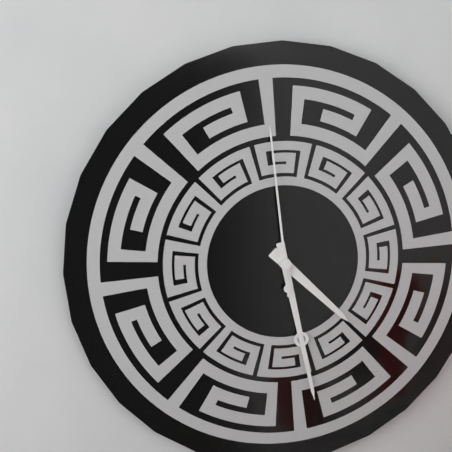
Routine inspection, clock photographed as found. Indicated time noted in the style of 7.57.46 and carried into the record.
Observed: 4.28.59
